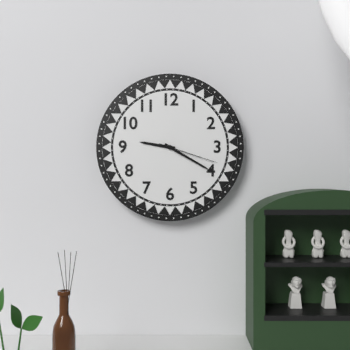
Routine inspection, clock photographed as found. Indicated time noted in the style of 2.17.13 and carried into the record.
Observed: 9.20.18
